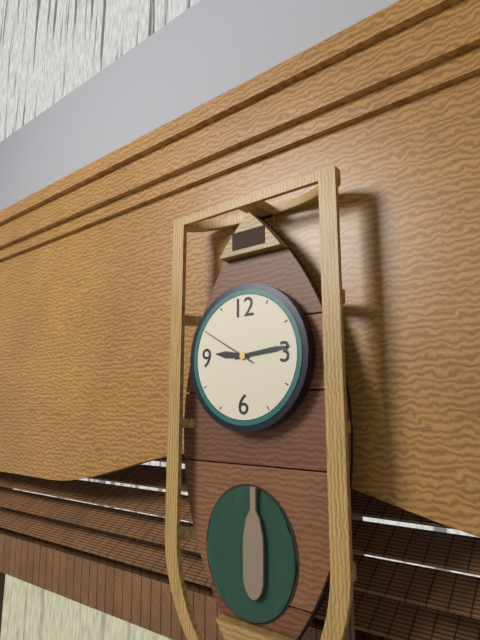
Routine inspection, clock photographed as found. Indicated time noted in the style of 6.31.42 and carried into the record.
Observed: 9.14.50
